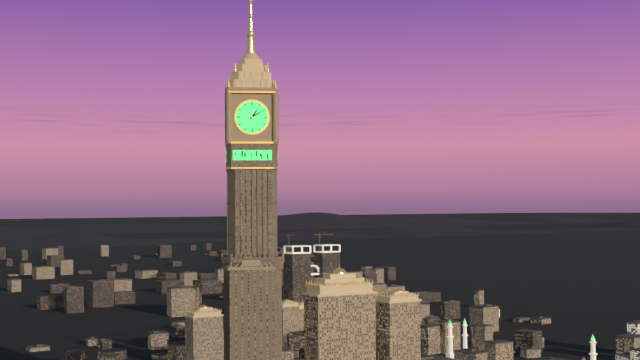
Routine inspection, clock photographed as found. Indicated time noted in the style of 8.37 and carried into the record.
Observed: 1.10
